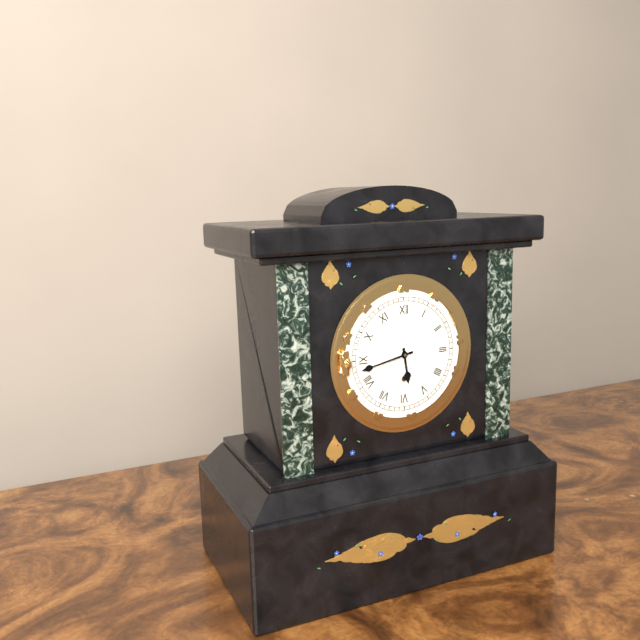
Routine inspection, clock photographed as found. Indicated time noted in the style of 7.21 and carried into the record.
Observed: 5.43
